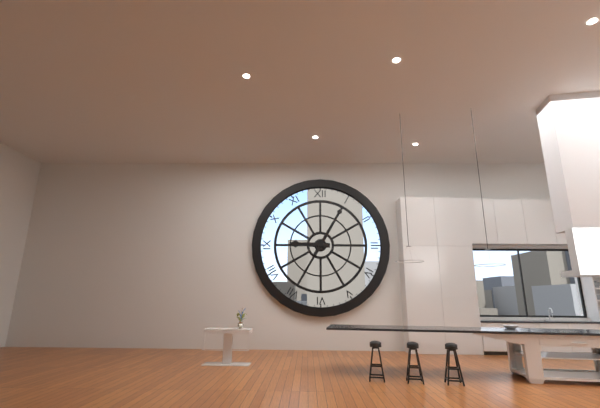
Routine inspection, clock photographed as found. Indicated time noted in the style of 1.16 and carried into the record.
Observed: 9.05
